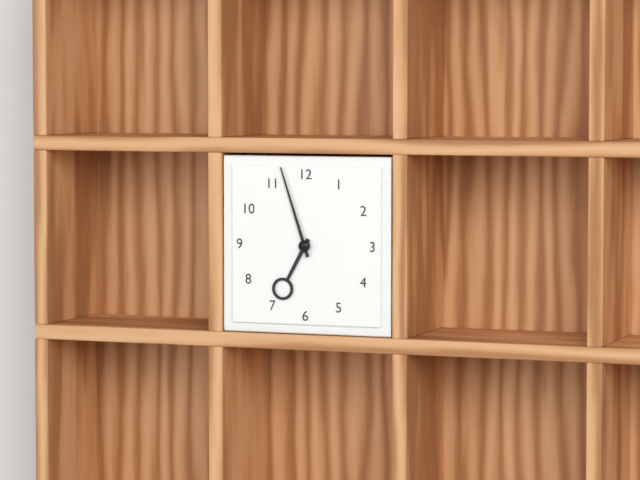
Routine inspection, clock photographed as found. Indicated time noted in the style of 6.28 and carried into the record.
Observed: 6.57
